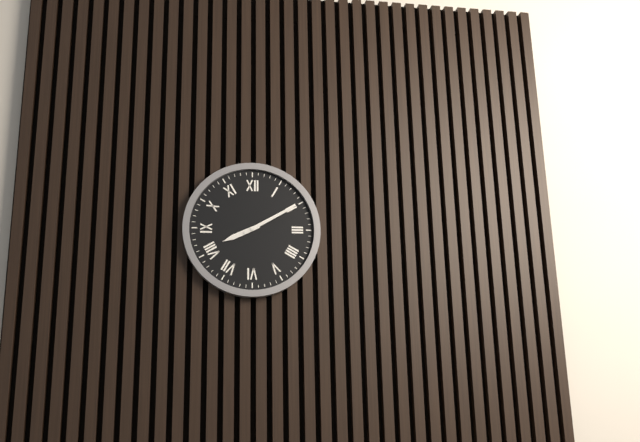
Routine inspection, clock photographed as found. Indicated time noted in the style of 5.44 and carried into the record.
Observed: 8.10
